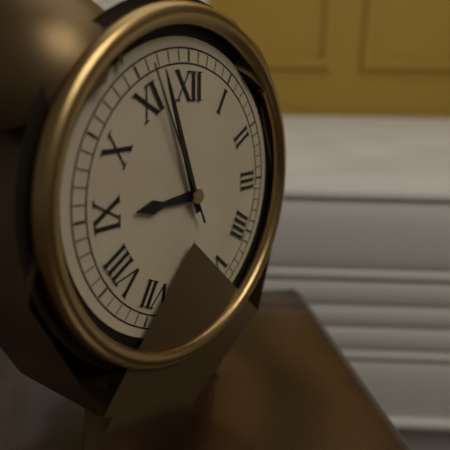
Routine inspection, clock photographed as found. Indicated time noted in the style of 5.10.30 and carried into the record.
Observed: 8.57.56
